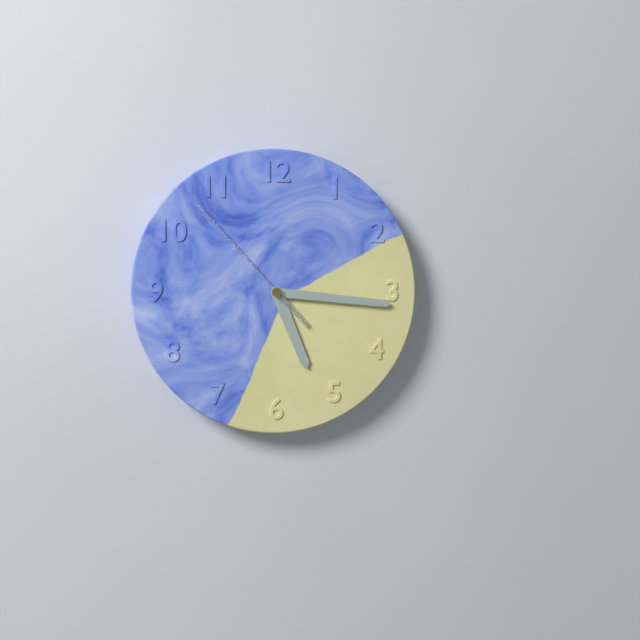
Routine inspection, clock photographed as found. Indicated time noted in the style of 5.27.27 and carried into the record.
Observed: 5.16.53
